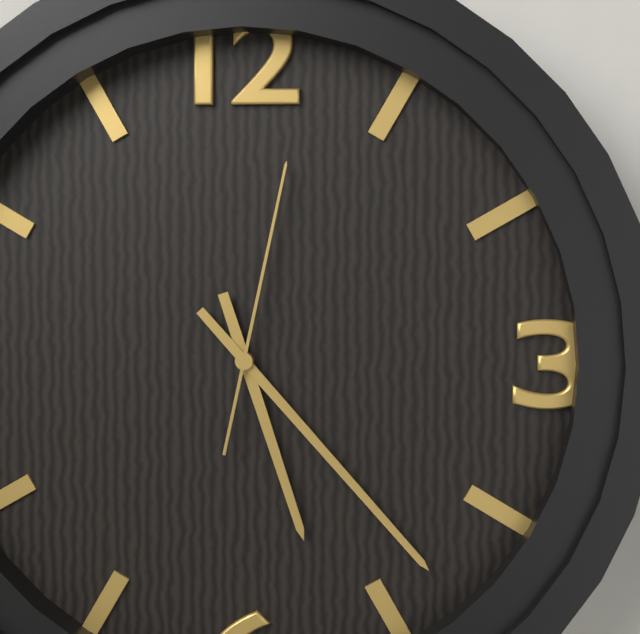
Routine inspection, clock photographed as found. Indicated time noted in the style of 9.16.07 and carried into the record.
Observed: 5.23.02
